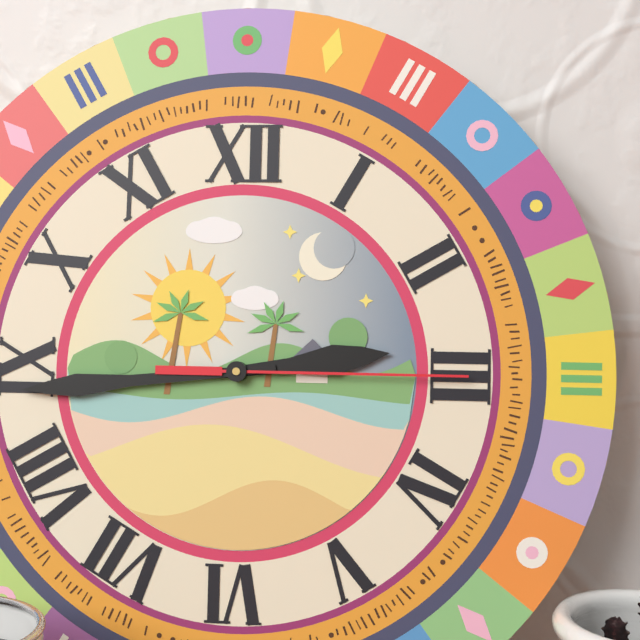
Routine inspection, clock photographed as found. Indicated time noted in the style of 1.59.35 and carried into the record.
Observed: 2.44.15
